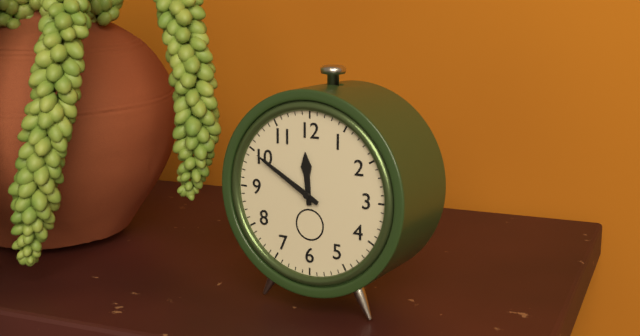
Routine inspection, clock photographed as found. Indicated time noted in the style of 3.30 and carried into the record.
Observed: 11.50
